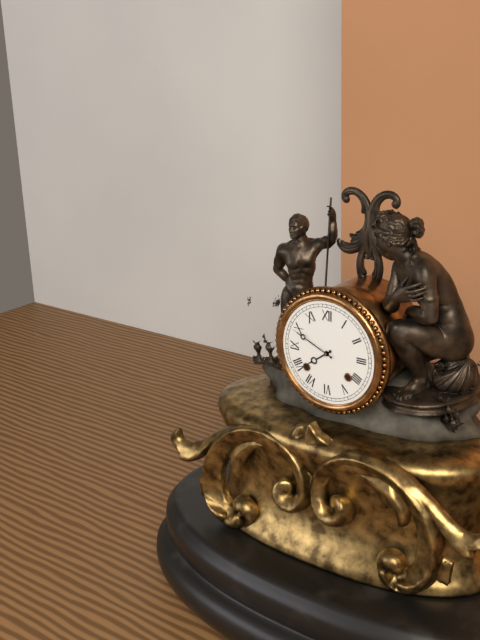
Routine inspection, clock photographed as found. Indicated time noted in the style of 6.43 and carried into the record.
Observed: 7.49
